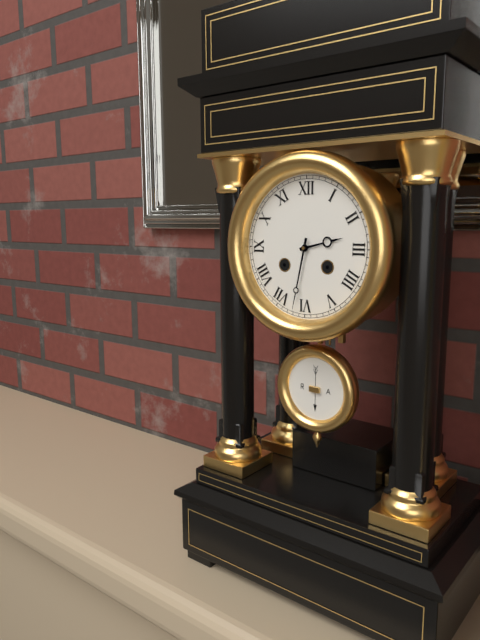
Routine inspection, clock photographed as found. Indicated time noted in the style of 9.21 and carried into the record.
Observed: 2.32
